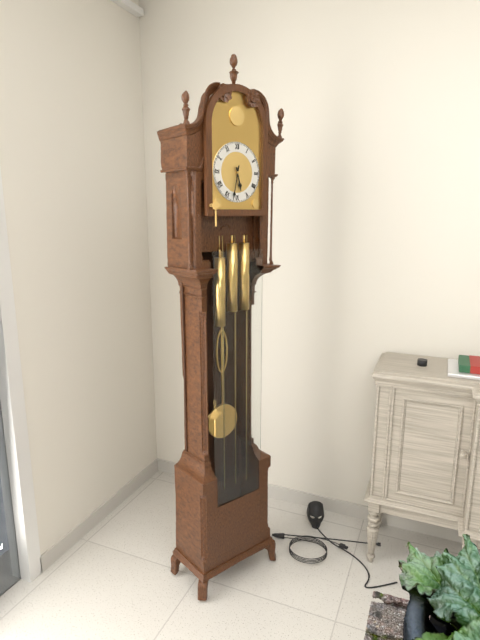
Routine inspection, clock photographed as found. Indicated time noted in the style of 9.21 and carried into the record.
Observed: 5.32
